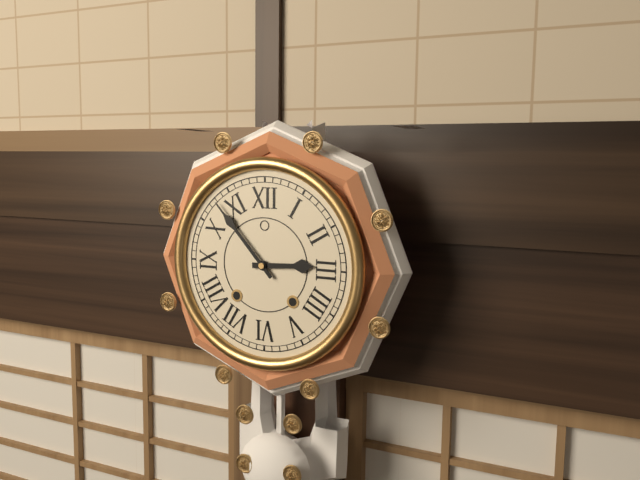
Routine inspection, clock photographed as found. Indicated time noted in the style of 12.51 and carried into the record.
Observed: 2.53
